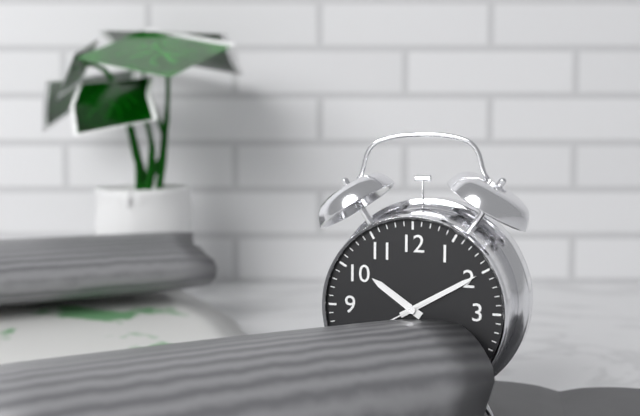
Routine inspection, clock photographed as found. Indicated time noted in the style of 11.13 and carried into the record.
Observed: 10.10
